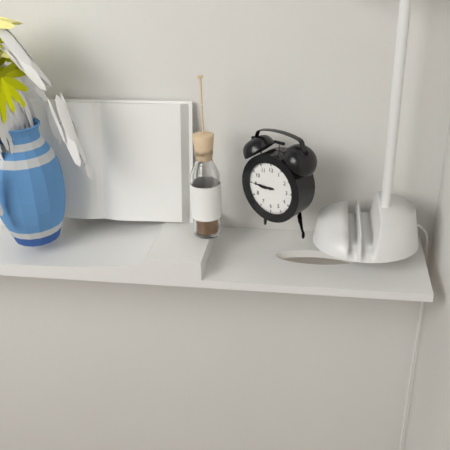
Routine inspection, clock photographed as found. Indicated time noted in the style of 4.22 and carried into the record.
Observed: 8.45
